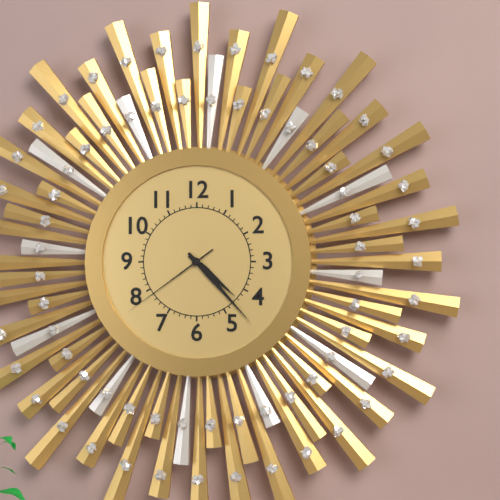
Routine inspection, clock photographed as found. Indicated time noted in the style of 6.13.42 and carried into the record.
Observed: 4.23.39
